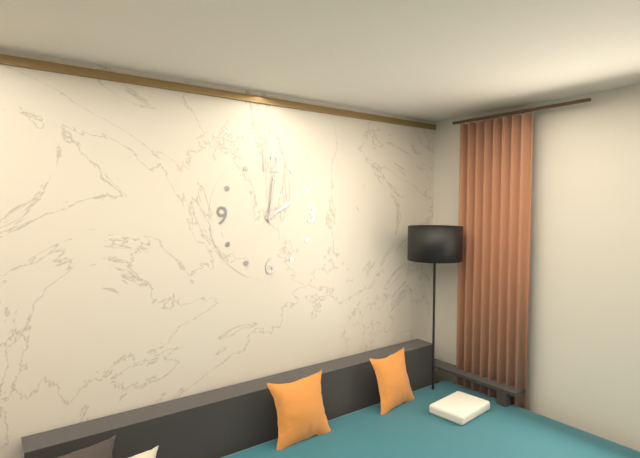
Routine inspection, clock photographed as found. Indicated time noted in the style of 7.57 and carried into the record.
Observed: 2.01
